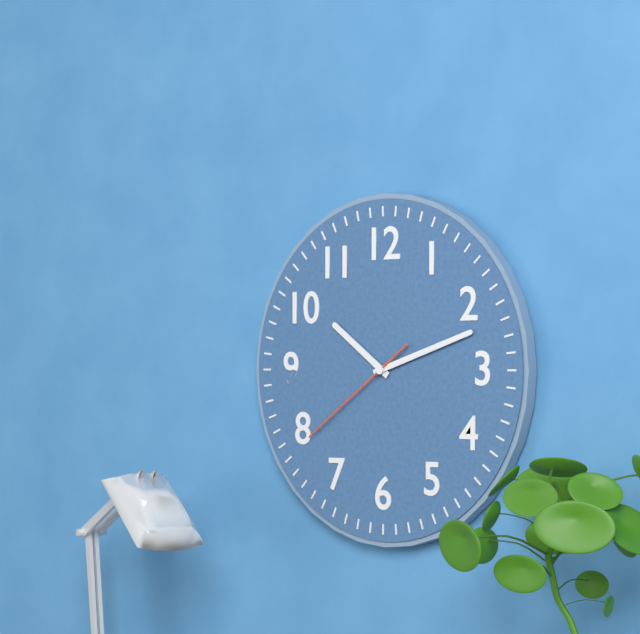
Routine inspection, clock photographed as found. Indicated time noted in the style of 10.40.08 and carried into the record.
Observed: 10.12.39
